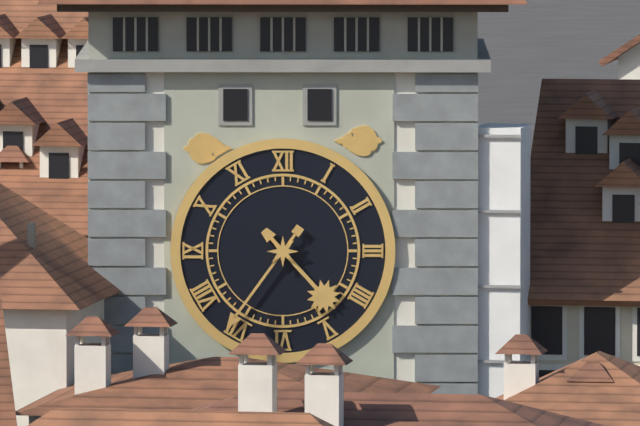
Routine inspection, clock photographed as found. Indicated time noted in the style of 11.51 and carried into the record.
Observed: 4.36
